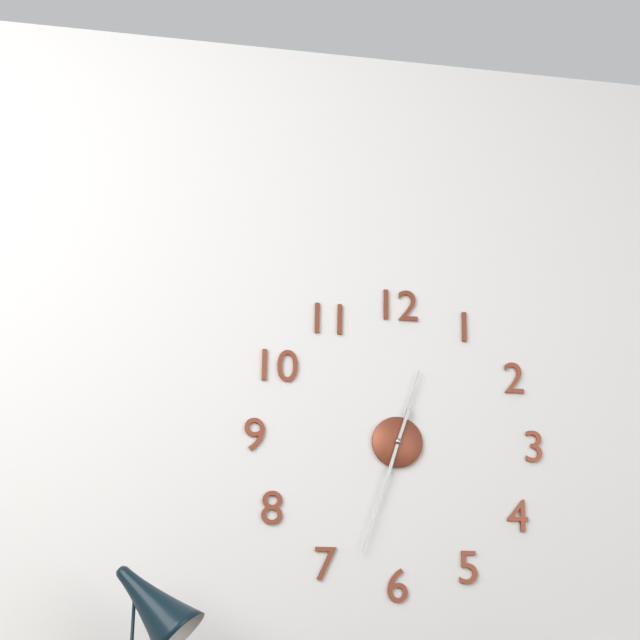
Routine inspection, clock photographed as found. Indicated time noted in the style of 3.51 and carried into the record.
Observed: 12.33
